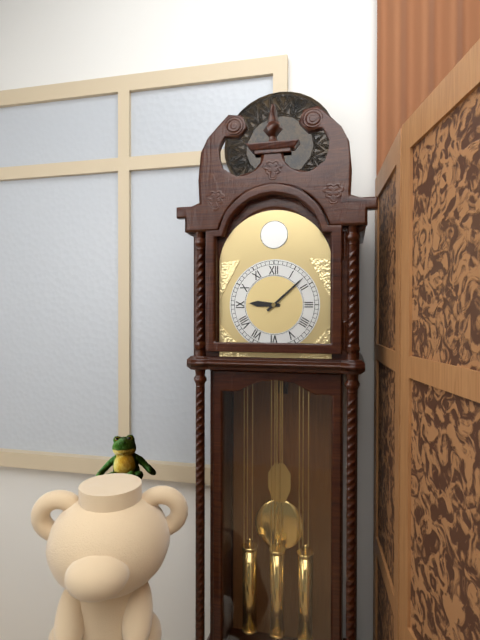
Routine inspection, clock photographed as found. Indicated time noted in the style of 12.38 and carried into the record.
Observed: 9.08
